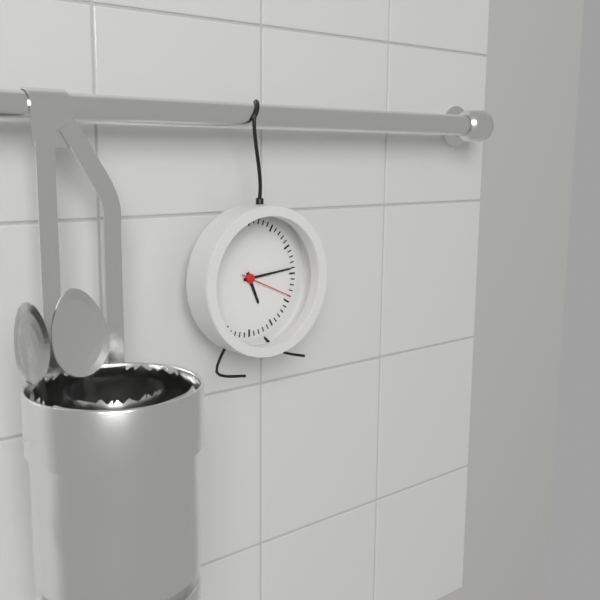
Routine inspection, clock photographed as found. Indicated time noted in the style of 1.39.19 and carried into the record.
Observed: 5.14.19
